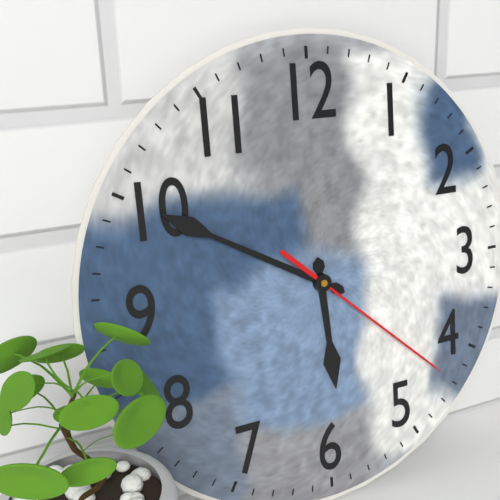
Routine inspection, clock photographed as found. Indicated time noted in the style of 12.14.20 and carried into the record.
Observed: 5.50.22
